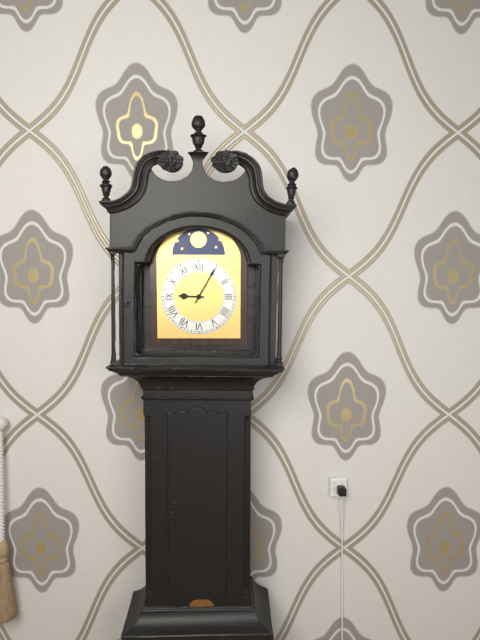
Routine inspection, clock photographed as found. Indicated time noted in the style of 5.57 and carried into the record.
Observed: 9.05
